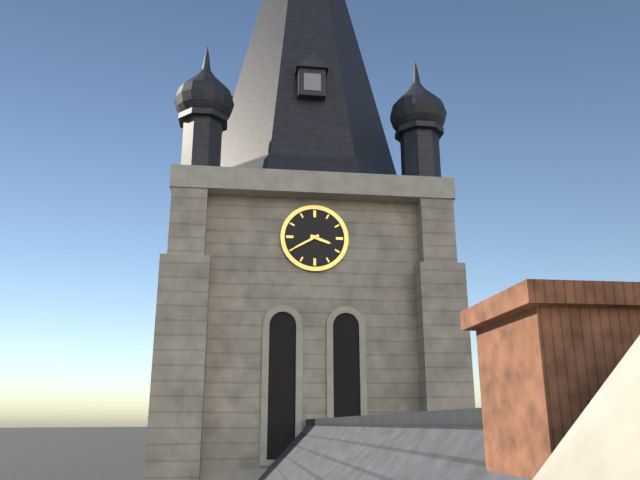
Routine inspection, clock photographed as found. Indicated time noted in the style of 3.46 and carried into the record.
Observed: 3.40
